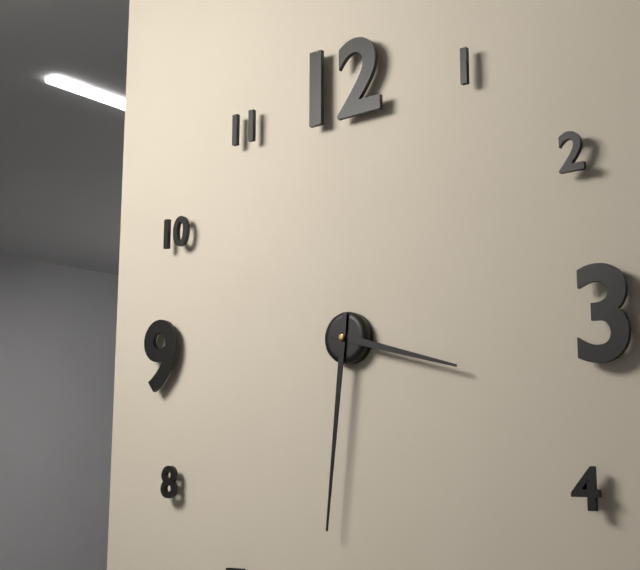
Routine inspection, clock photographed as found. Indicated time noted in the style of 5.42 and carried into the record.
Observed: 3.31
